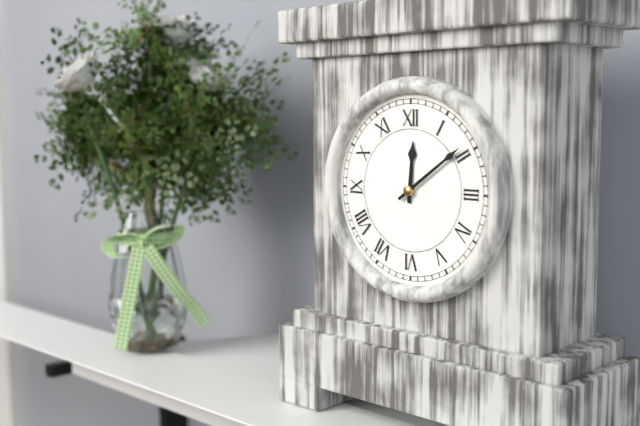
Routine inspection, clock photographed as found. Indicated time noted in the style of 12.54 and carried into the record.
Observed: 12.09
